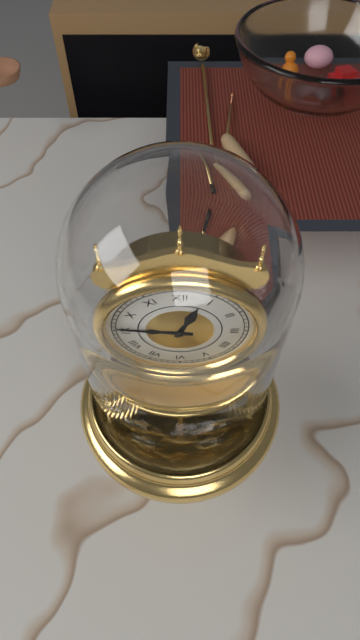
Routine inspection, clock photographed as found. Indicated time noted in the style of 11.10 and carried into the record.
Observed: 12.46
